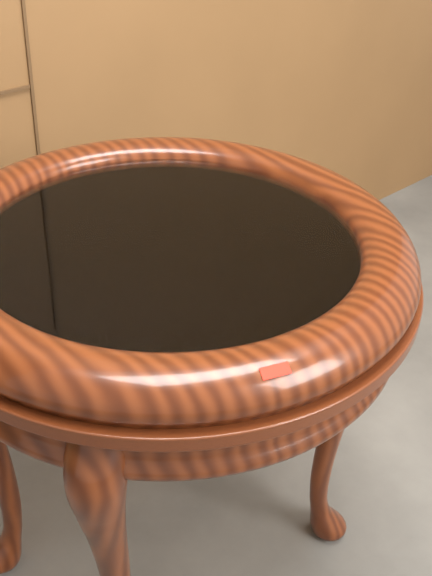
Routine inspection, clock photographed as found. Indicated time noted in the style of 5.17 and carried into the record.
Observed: 10.22
